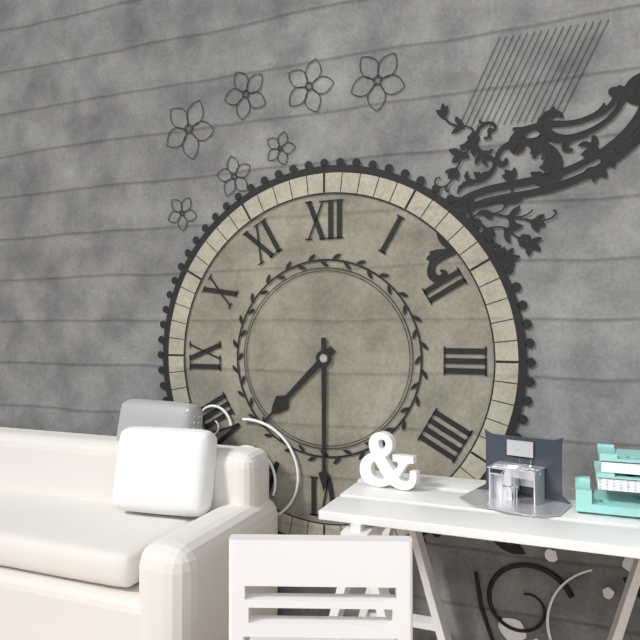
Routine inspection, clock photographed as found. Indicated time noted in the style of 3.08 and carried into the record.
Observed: 7.30
